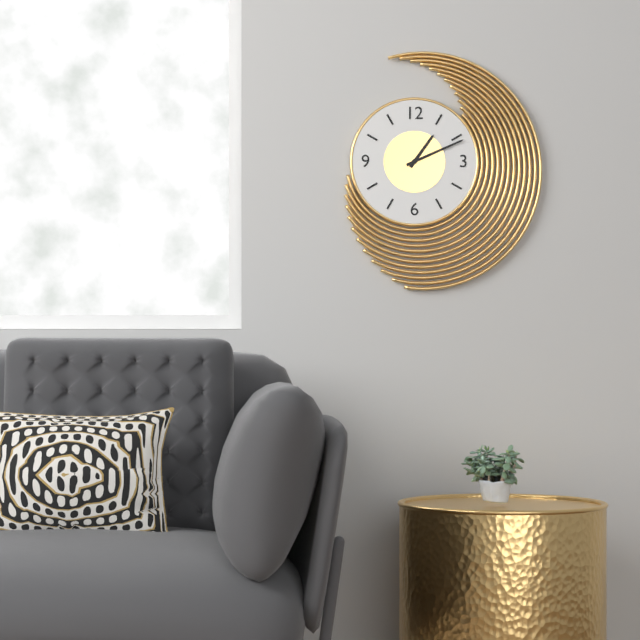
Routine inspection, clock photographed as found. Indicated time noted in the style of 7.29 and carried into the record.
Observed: 1.11
